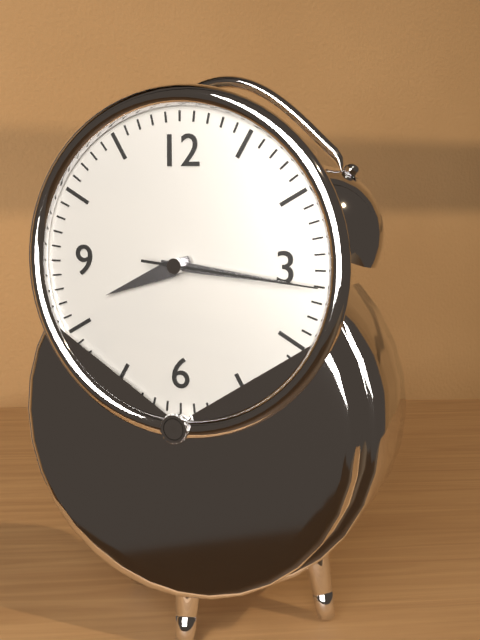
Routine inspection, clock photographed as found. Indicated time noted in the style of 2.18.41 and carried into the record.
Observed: 8.16.16
